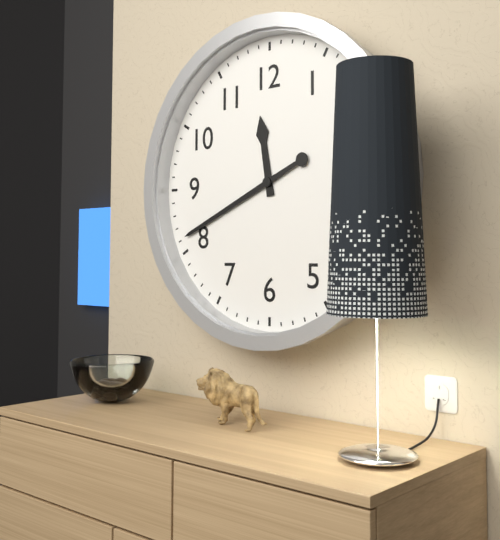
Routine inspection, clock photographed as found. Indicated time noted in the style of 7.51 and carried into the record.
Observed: 11.41
